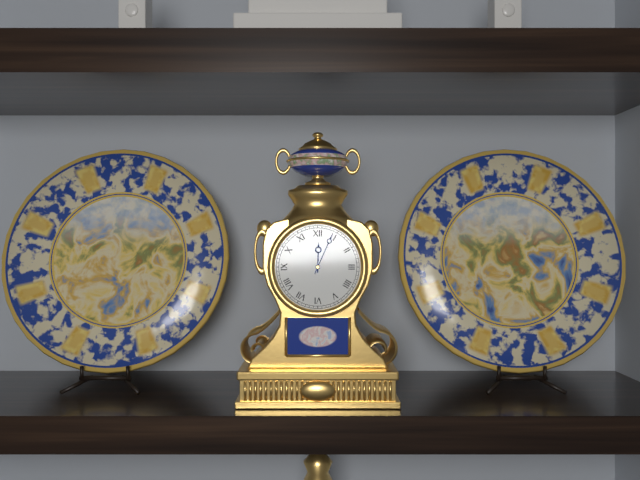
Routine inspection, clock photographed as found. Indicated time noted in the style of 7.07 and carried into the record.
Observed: 12.04
